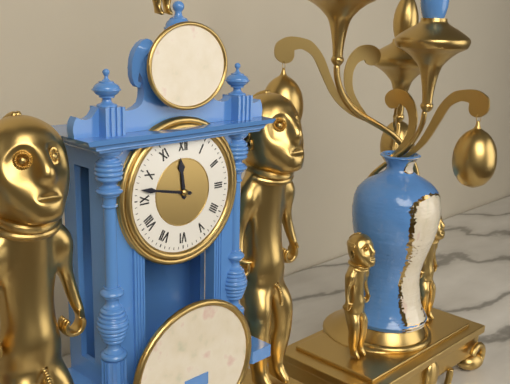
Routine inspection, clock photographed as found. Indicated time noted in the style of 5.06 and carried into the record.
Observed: 11.47
